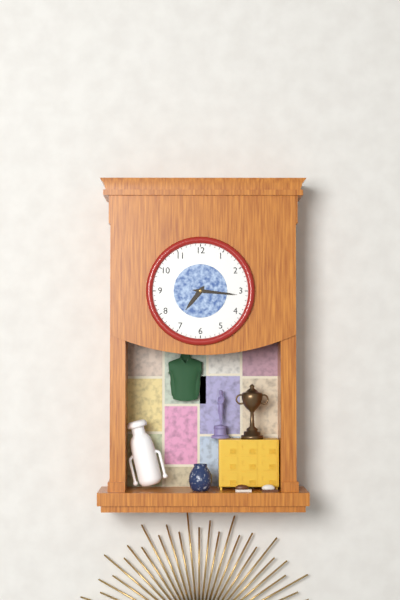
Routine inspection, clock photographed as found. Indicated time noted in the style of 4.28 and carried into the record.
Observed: 7.16
